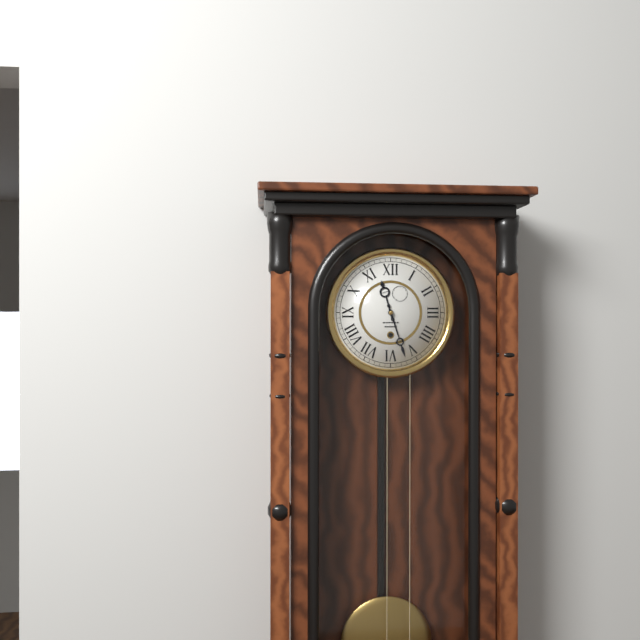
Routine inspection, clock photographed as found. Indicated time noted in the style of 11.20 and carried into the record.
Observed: 11.27
